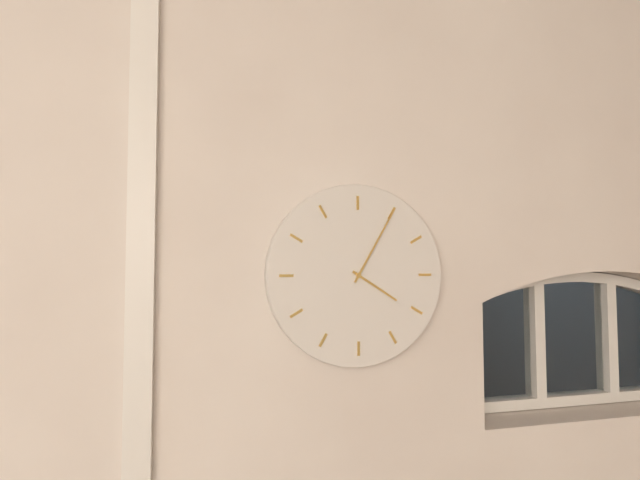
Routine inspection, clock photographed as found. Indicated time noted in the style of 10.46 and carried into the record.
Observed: 4.05
